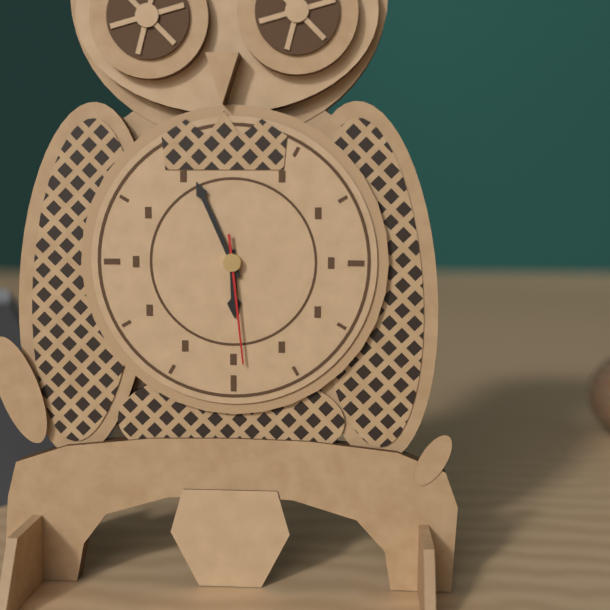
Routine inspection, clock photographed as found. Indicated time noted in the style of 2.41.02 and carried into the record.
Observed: 5.56.29
